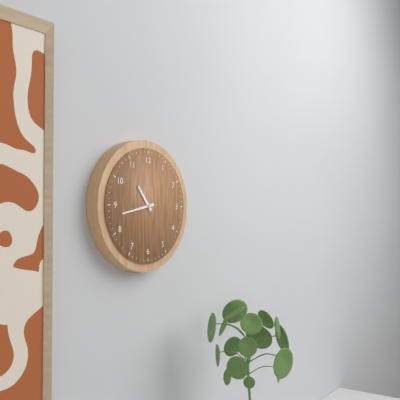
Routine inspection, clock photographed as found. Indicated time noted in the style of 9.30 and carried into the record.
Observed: 10.43
